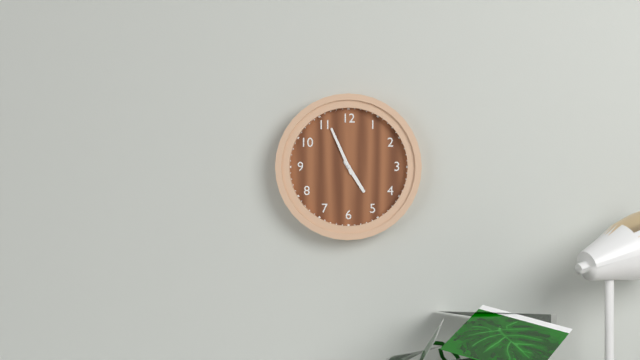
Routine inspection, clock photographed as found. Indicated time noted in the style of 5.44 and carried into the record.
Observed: 4.56
